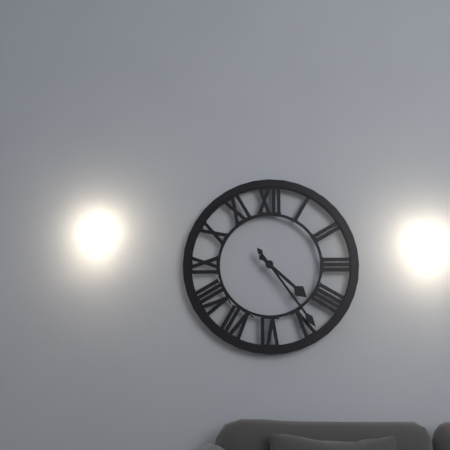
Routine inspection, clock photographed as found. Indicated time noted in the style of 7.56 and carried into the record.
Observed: 4.24
